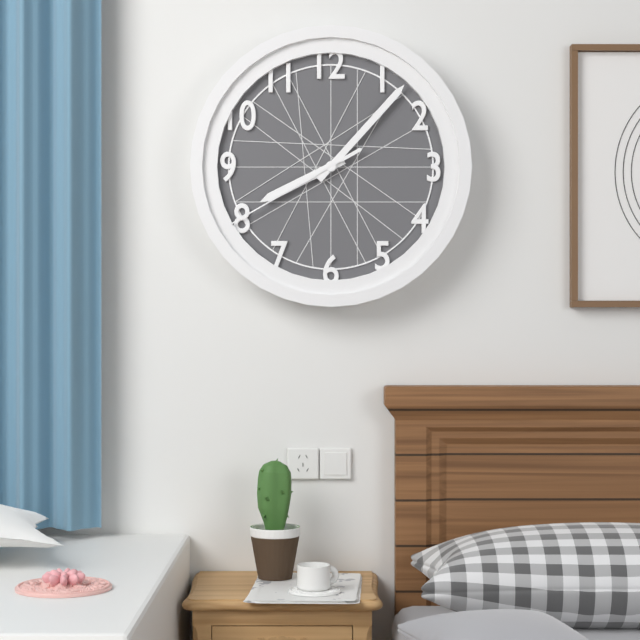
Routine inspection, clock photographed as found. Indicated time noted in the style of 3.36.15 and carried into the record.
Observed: 8.07.40
